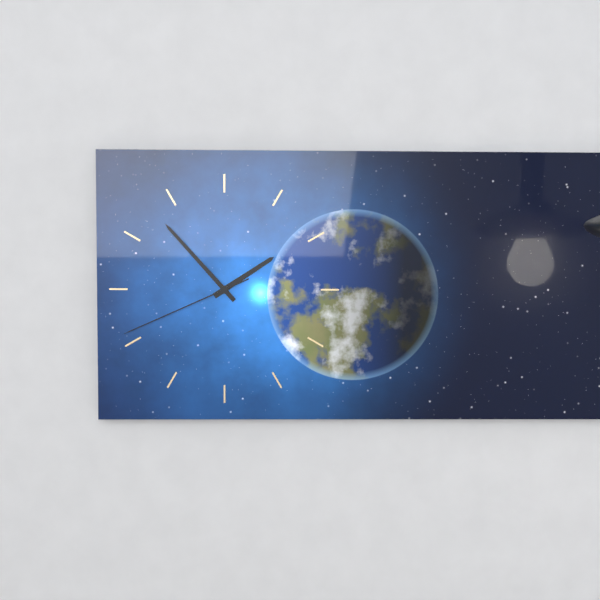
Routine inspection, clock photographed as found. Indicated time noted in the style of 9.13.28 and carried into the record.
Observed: 1.53.41
